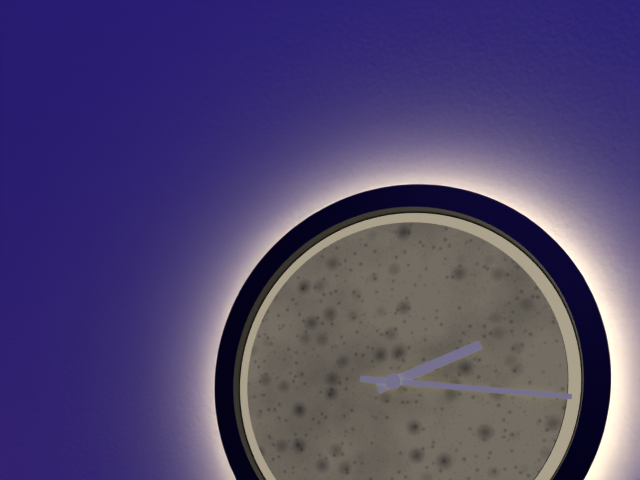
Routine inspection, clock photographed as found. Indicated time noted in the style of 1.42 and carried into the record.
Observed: 2.16
